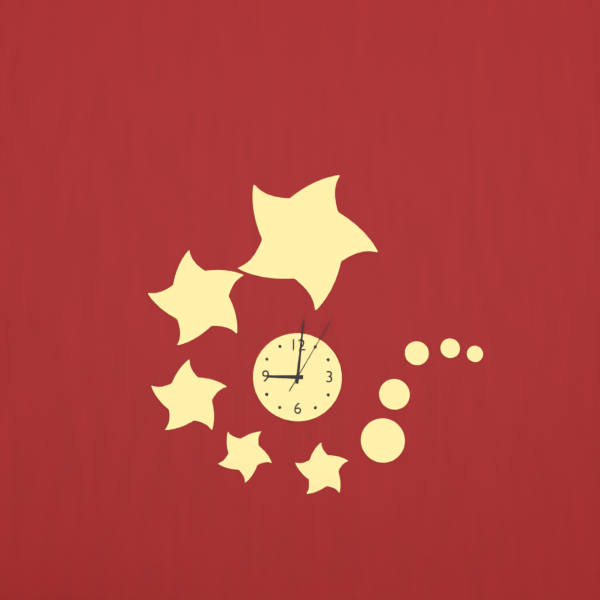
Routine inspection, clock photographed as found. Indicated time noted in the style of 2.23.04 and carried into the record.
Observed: 9.01.05
